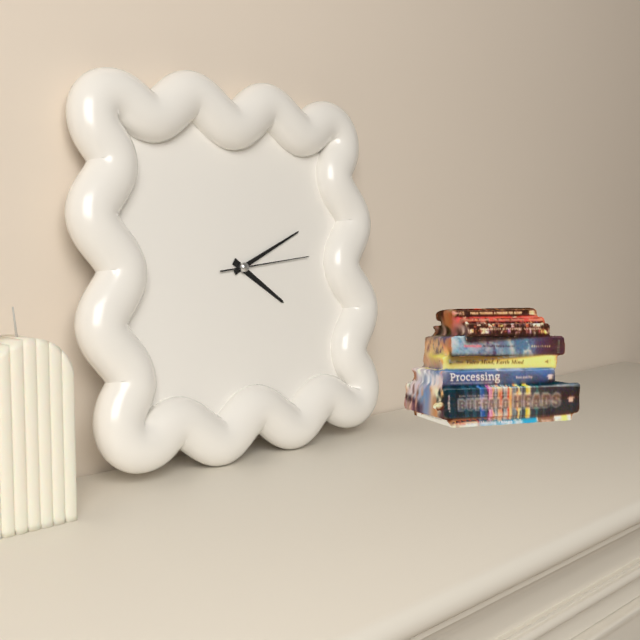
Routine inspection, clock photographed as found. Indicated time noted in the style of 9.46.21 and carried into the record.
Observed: 4.11.14
